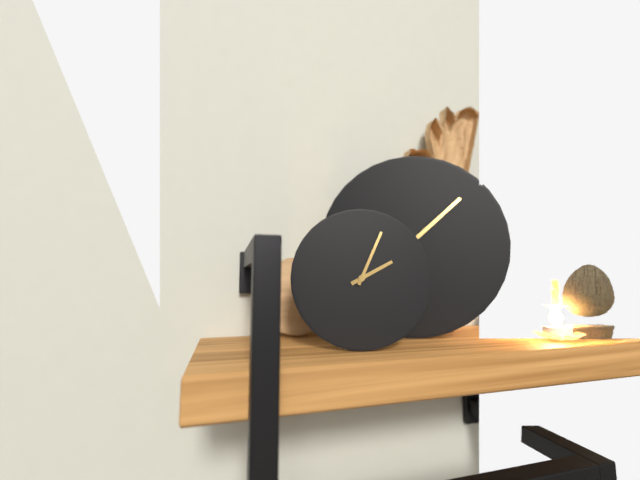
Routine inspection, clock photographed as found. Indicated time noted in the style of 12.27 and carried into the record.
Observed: 2.04
